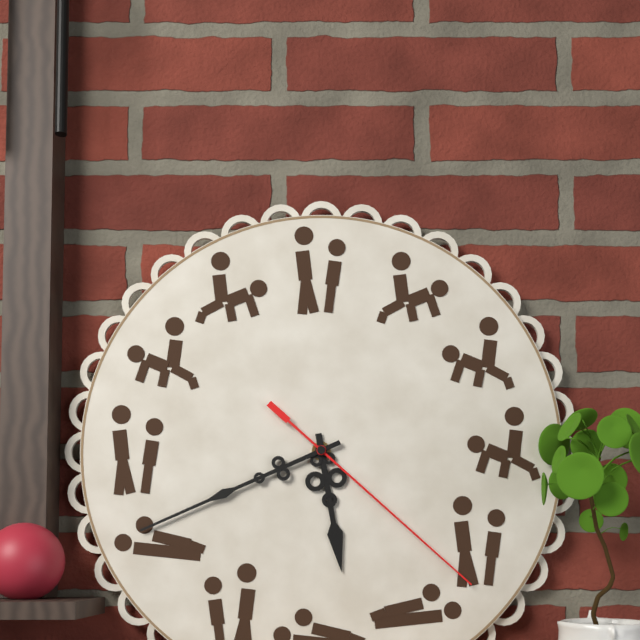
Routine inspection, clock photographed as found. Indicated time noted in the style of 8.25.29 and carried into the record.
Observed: 5.41.22
